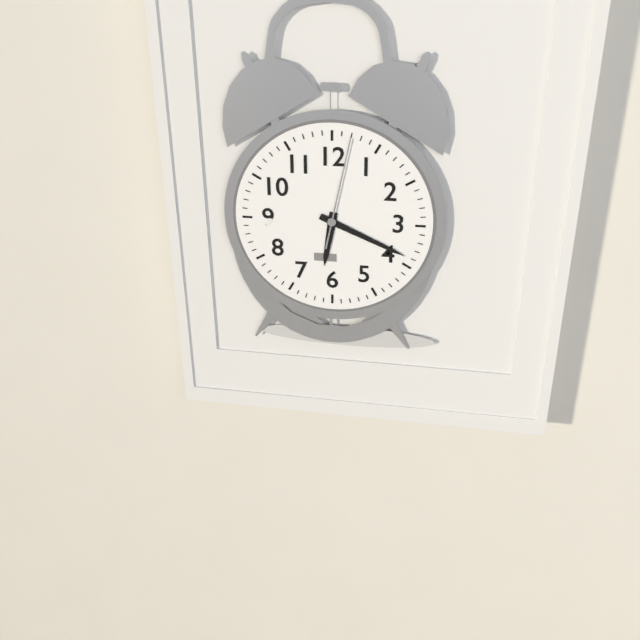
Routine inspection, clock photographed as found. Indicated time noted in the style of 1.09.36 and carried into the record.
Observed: 6.19.02
